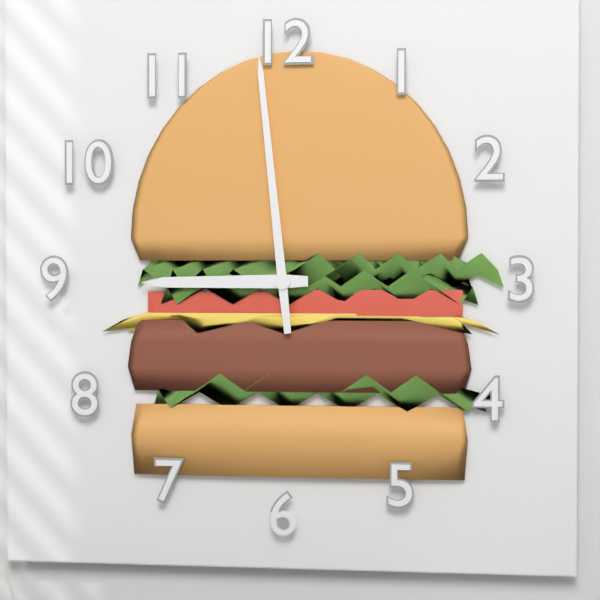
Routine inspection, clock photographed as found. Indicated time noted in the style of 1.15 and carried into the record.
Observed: 8.59
